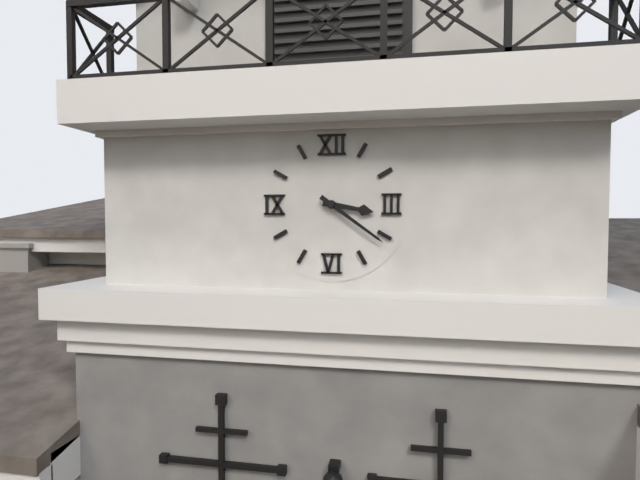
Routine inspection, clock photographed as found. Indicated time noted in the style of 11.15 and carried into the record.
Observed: 3.21
